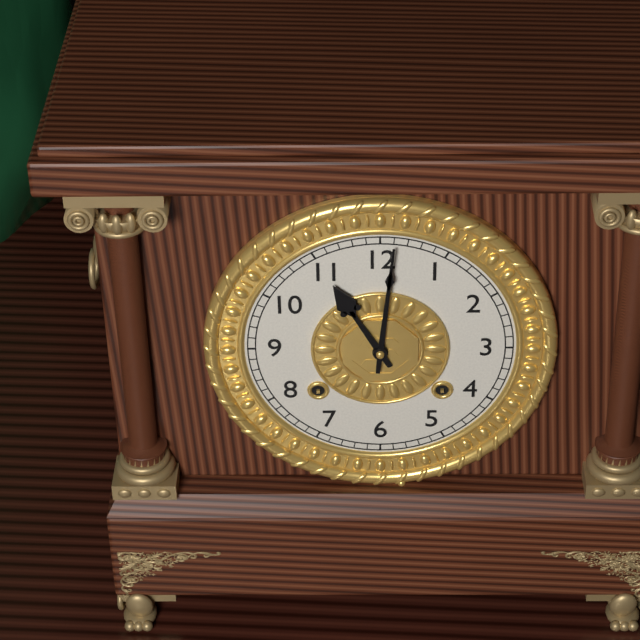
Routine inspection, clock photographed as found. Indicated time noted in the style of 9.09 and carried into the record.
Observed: 11.01
